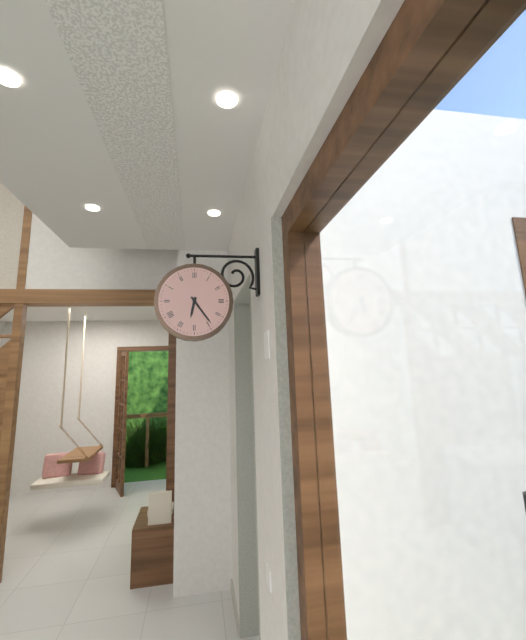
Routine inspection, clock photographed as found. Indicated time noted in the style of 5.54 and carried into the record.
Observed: 6.24
